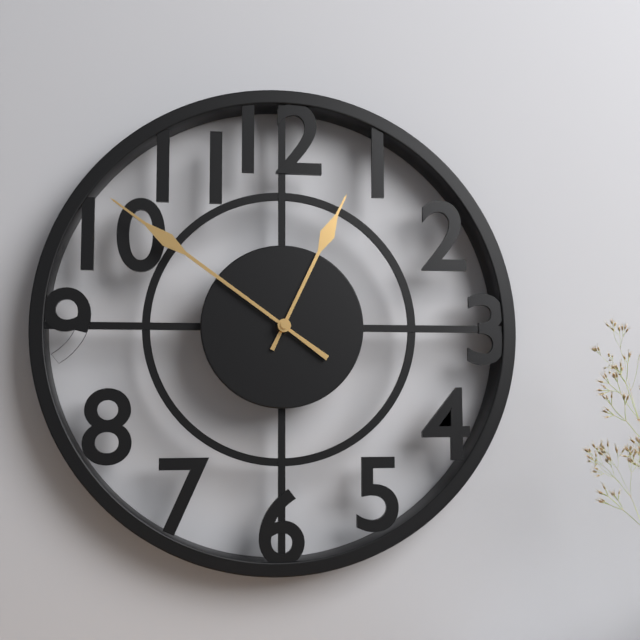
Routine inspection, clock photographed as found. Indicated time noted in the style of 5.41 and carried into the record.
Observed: 12.51
